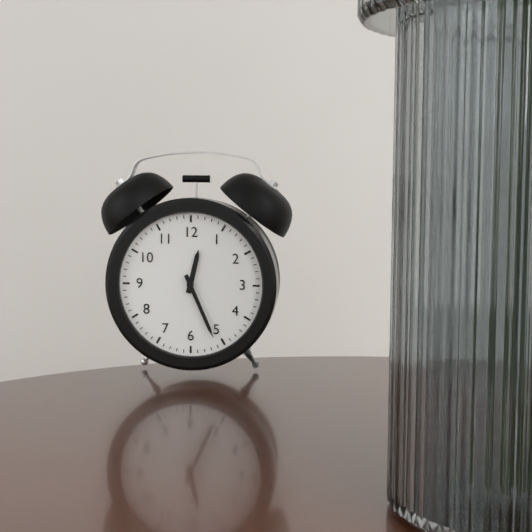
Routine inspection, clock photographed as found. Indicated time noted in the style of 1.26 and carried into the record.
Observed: 12.26
